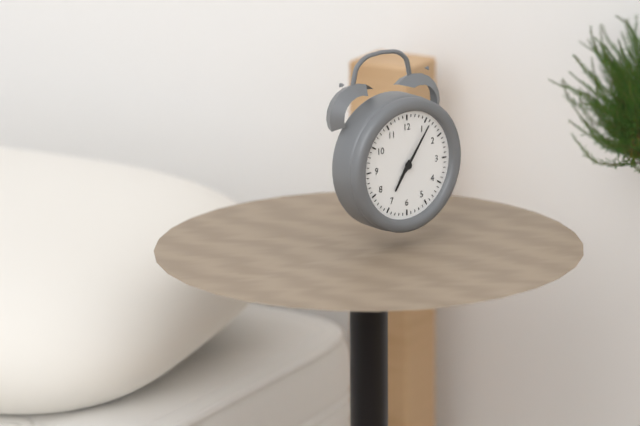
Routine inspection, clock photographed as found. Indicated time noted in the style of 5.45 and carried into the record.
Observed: 7.06
